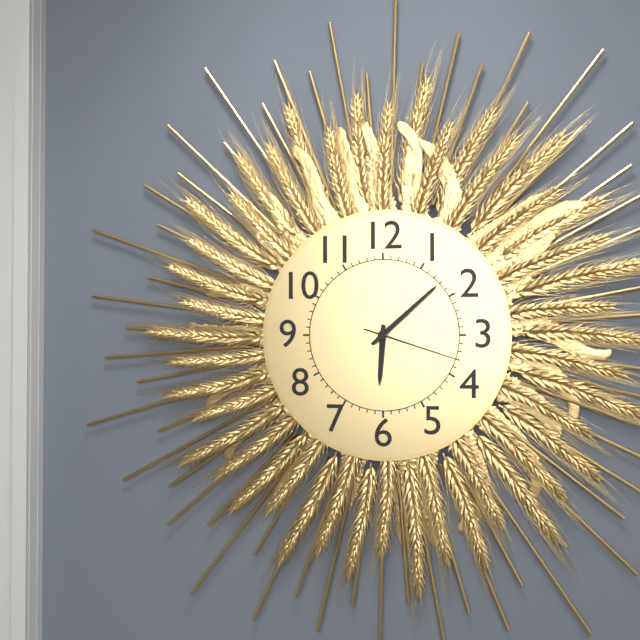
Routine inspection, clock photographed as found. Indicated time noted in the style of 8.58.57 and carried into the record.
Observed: 6.08.18
